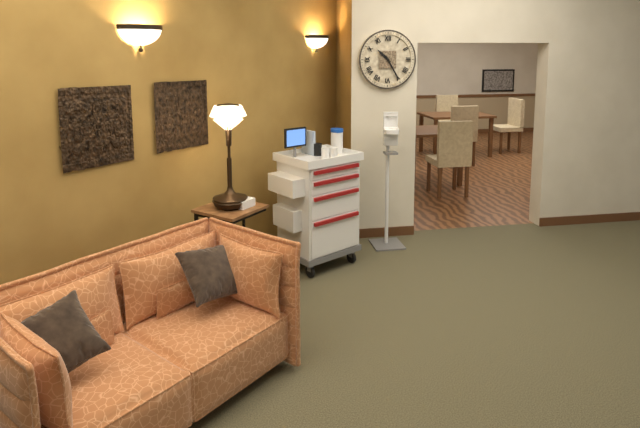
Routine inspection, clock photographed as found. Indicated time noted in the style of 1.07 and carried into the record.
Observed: 10.25
